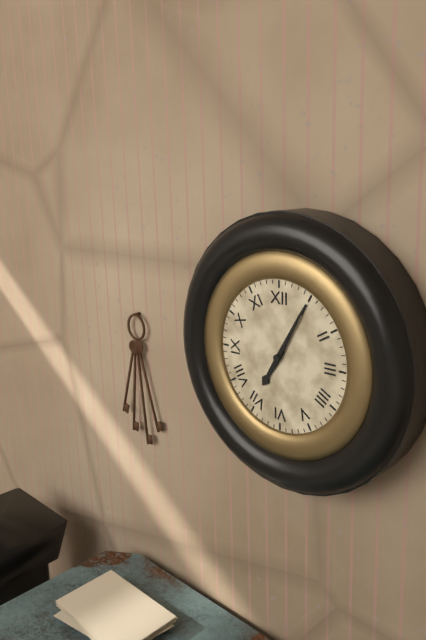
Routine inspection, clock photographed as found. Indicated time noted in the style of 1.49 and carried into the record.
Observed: 7.05
